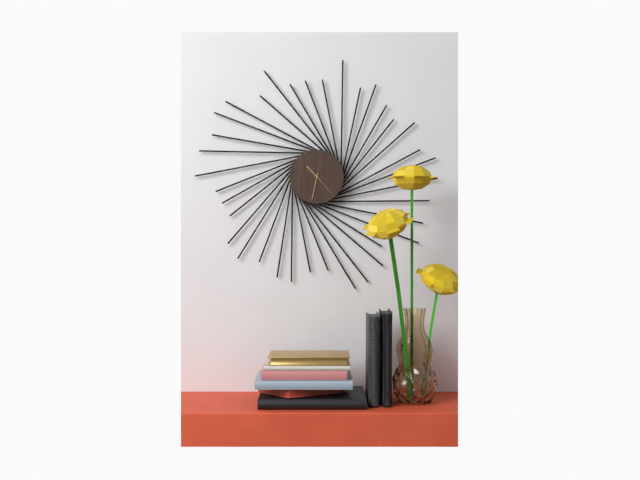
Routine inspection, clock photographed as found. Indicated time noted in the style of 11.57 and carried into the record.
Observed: 10.32
